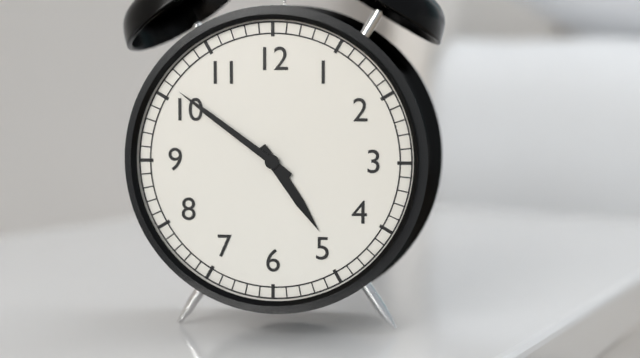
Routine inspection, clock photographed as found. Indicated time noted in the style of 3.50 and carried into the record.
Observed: 4.51
